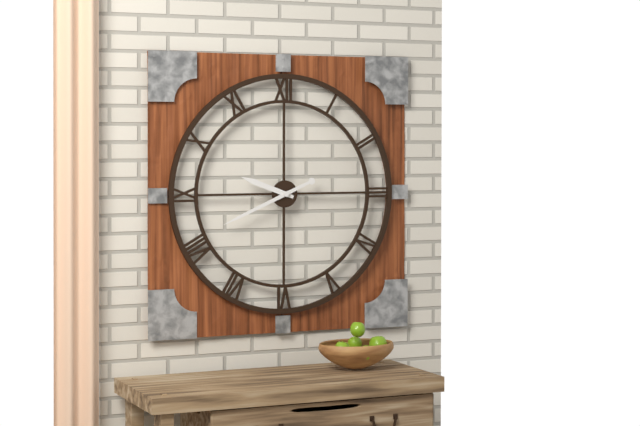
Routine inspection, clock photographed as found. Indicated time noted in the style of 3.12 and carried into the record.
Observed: 9.41
